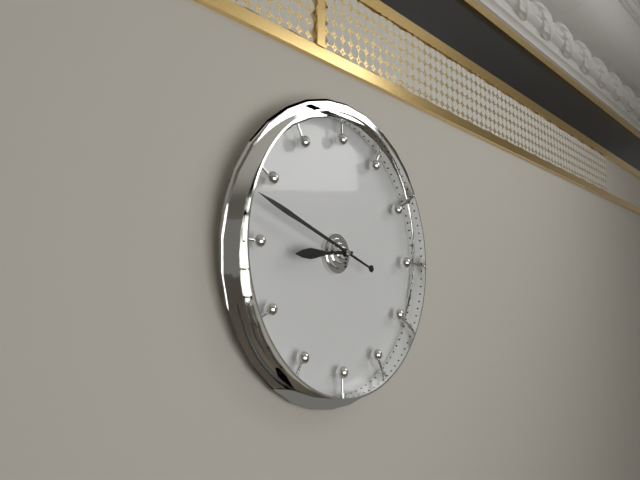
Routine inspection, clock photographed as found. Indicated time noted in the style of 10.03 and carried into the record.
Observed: 8.48
